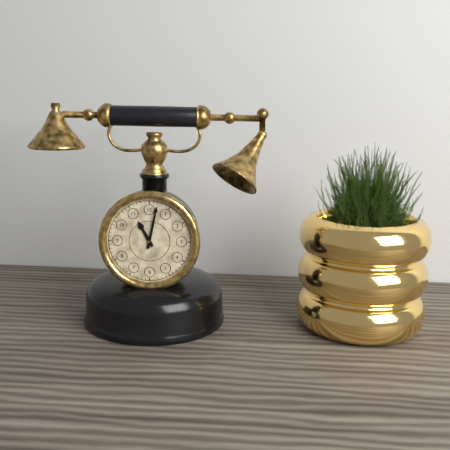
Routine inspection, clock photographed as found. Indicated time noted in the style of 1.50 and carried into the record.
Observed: 11.02
